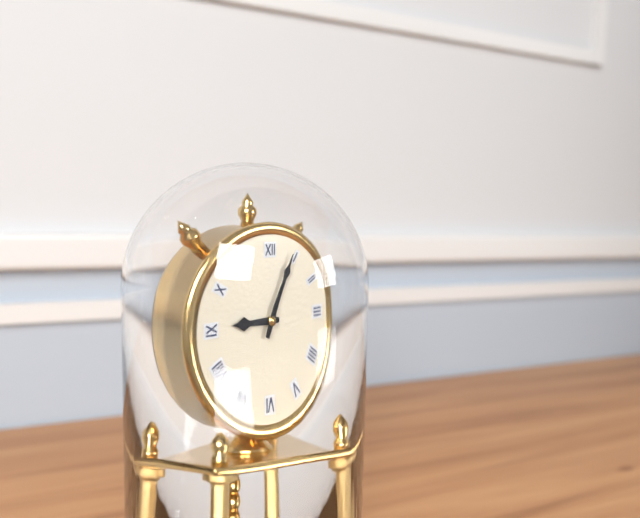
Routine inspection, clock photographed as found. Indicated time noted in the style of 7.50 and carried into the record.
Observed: 9.04
